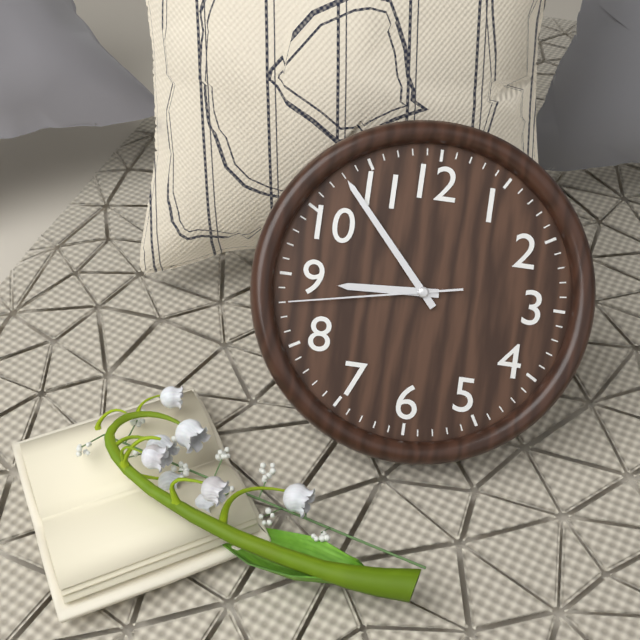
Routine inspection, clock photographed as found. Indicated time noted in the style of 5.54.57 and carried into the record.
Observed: 8.53.43
